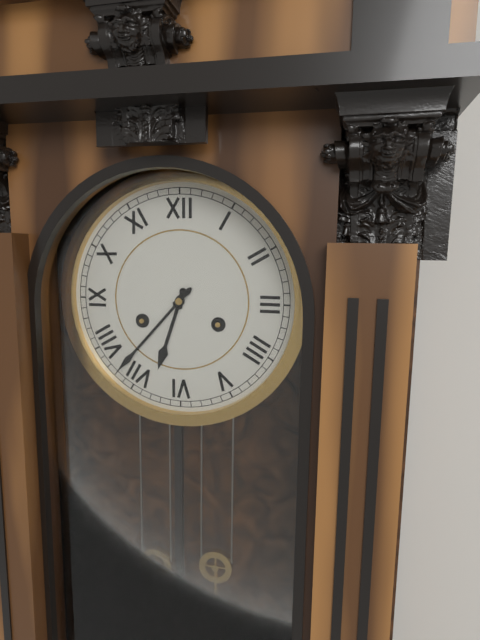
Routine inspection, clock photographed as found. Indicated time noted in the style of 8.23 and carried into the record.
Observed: 6.37
